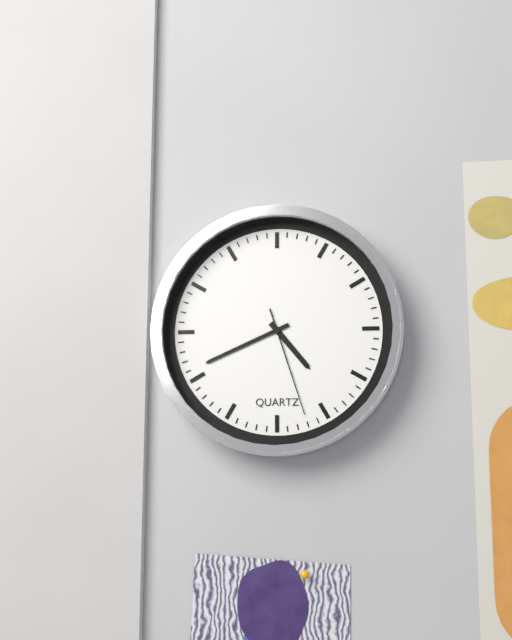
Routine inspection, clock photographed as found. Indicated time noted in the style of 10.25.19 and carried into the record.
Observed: 4.41.27
